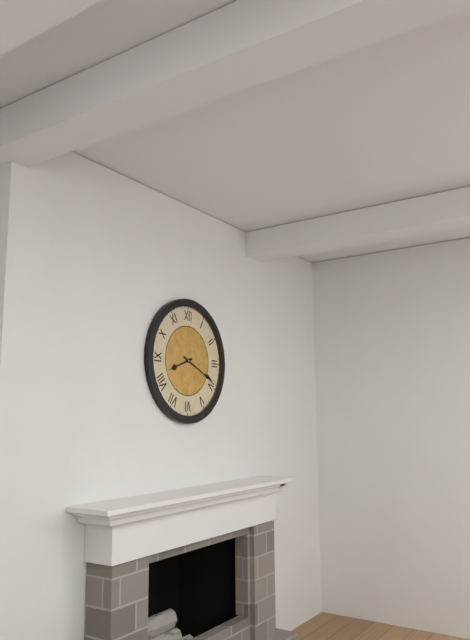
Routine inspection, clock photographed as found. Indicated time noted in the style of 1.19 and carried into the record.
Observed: 8.19
